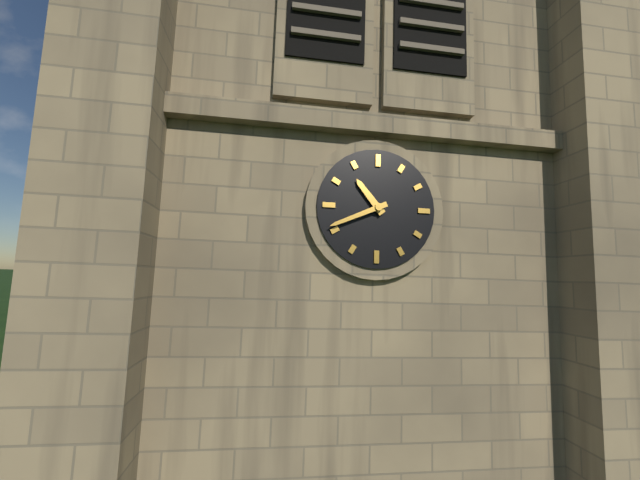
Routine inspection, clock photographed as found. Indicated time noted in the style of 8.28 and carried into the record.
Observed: 10.41
